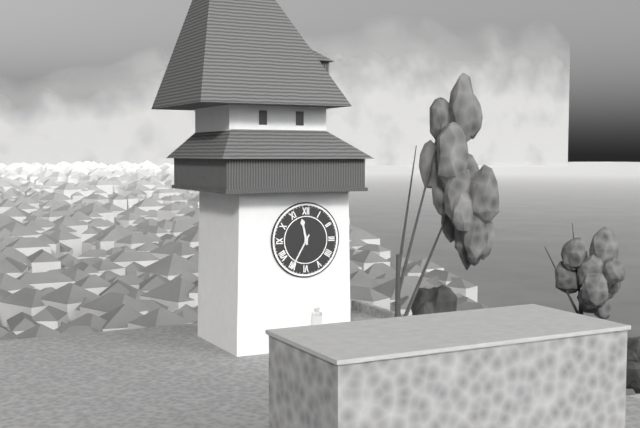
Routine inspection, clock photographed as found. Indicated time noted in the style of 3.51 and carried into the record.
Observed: 11.35
